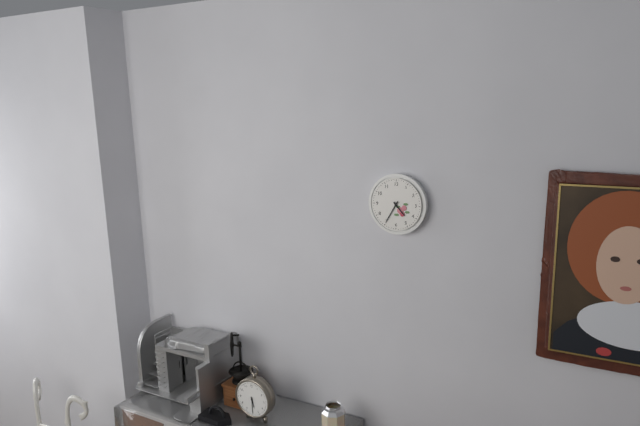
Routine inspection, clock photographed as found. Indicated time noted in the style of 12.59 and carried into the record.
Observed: 4.35
